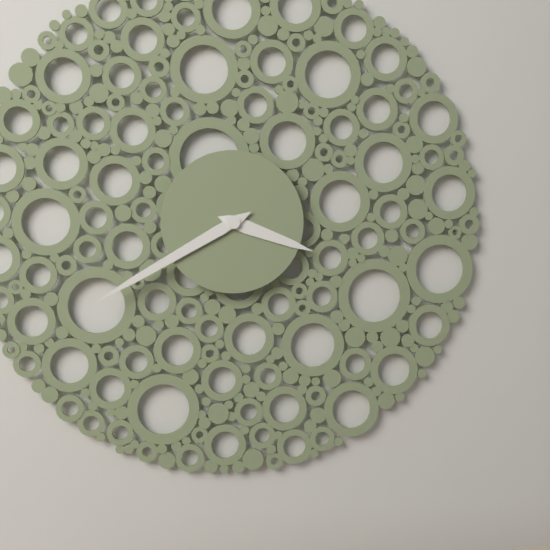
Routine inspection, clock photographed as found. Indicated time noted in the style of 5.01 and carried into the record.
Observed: 3.40
